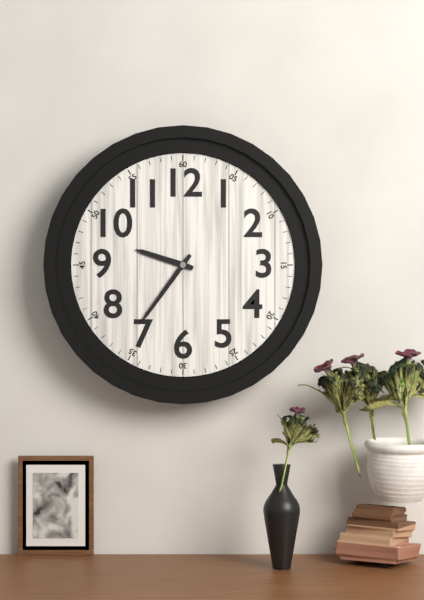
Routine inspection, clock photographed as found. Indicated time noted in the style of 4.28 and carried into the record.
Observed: 9.36
